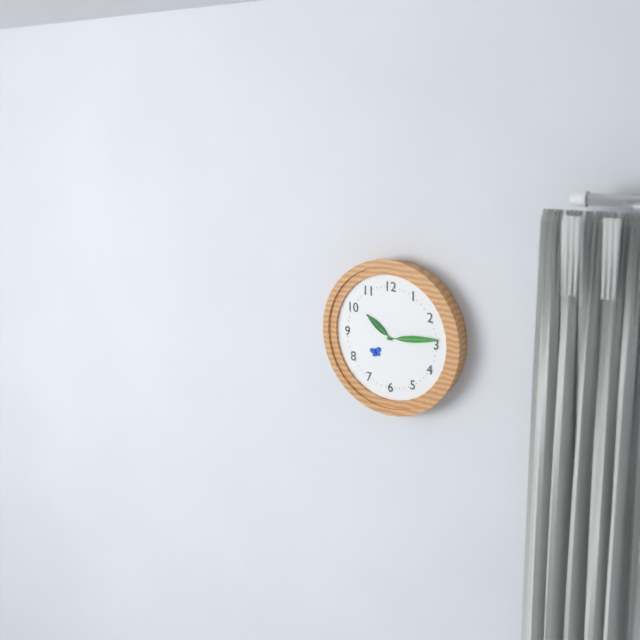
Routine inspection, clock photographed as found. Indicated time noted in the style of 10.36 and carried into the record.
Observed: 10.14
